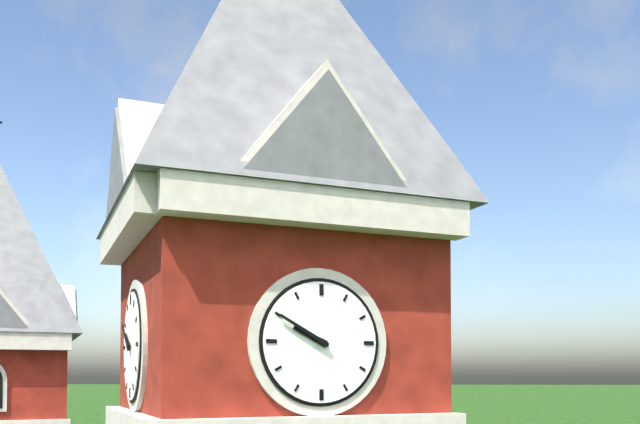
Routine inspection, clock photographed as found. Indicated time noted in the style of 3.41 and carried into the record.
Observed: 9.50
